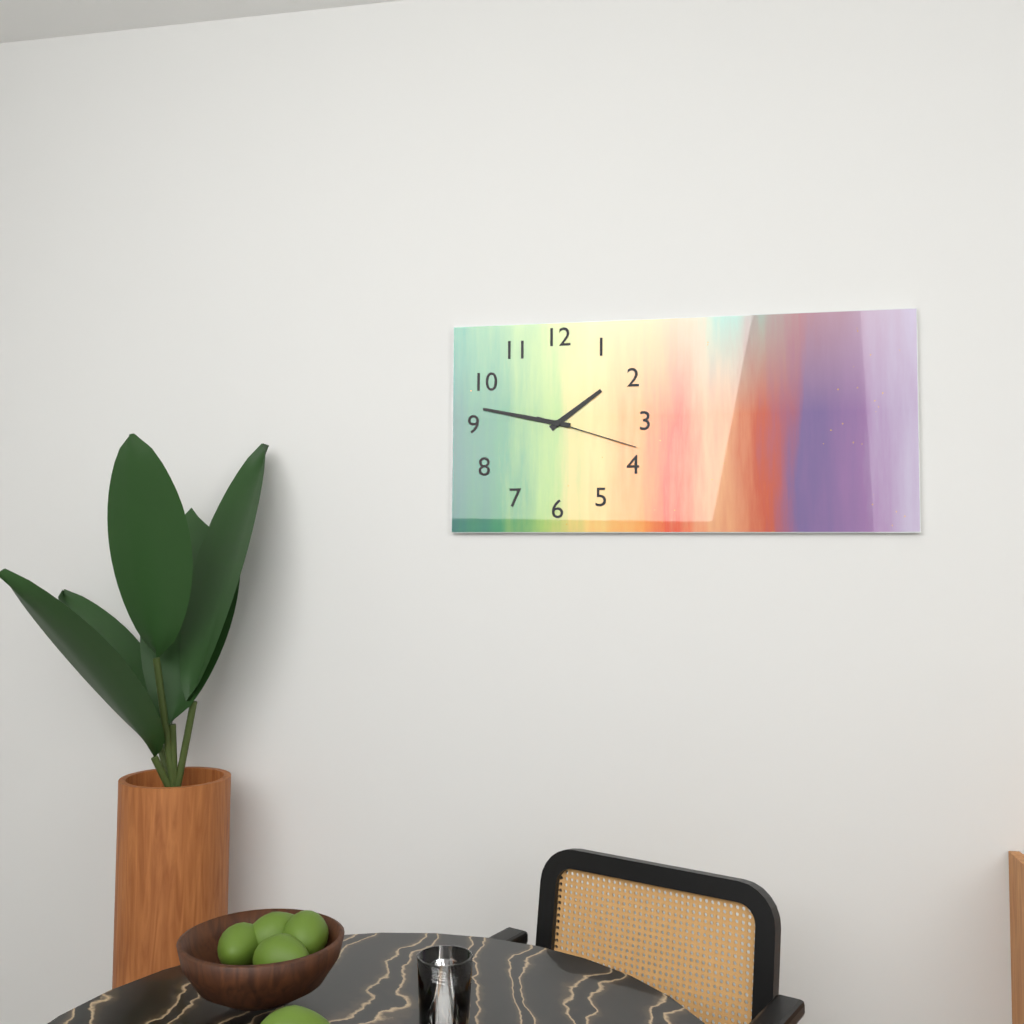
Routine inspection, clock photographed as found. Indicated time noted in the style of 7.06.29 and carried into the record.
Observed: 1.47.18
